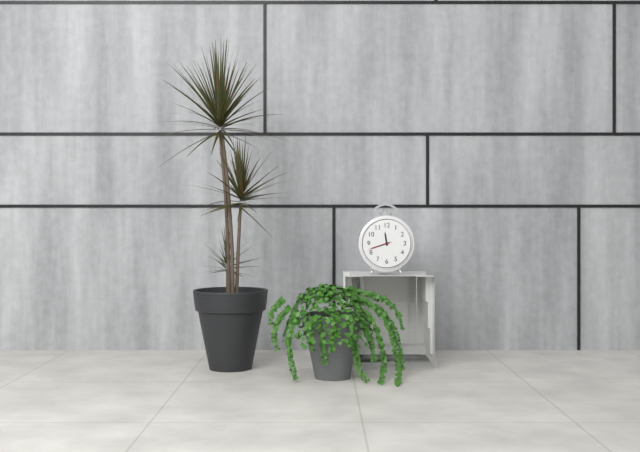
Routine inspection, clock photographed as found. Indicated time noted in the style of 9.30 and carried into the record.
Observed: 11.42
